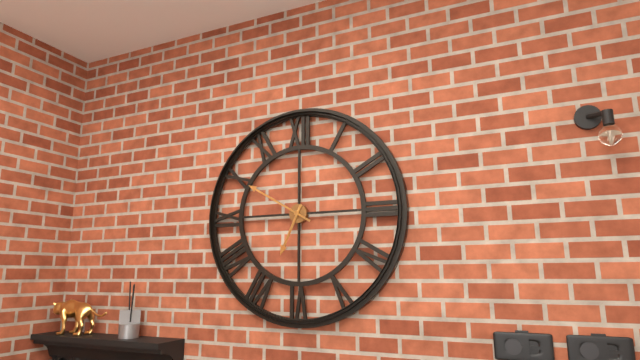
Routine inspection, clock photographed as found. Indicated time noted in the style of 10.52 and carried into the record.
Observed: 6.50
